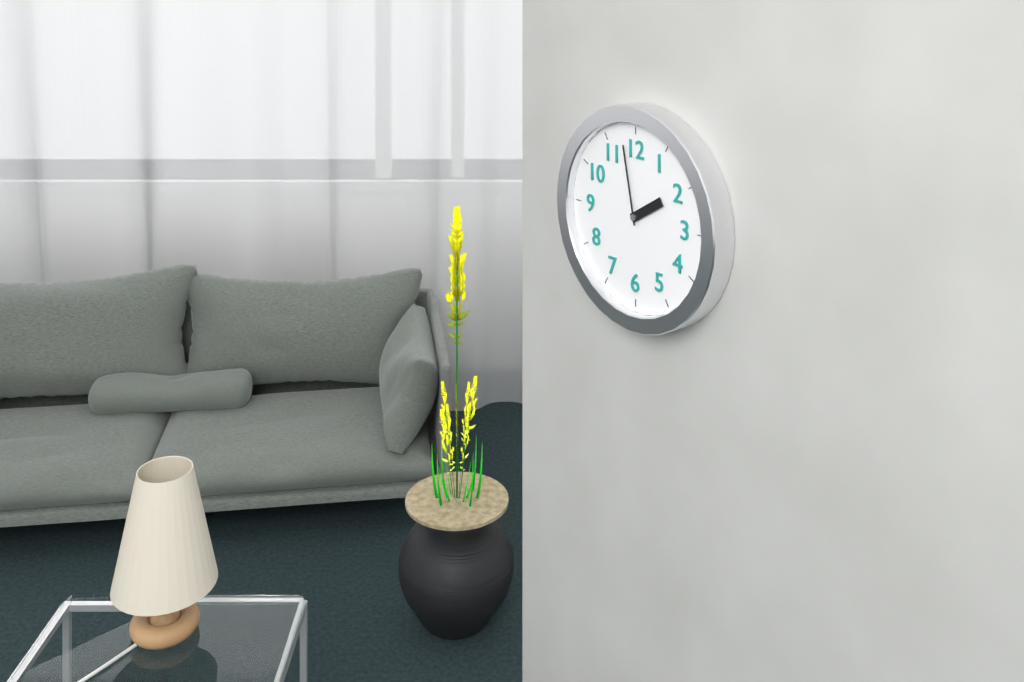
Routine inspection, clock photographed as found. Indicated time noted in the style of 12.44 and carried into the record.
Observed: 1.58
